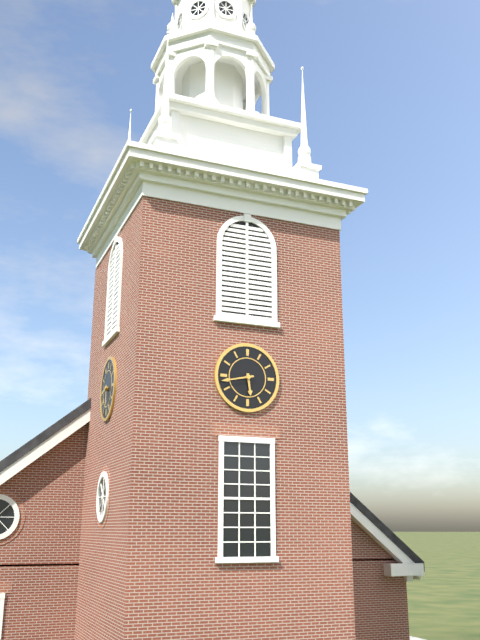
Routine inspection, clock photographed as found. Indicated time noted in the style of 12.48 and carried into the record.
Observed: 5.43
